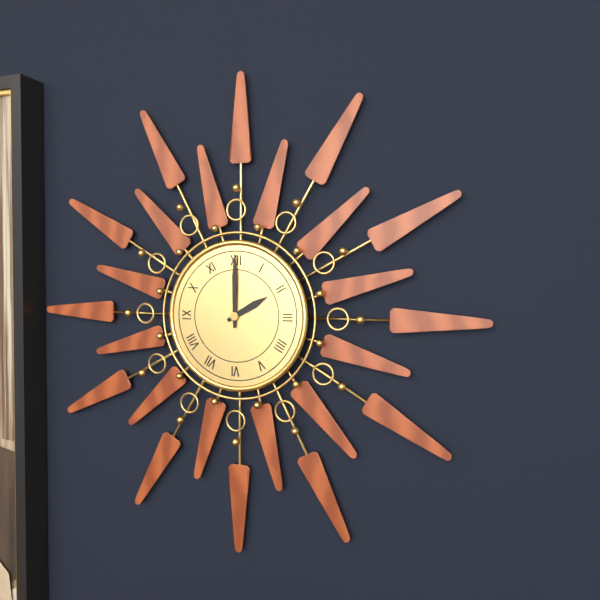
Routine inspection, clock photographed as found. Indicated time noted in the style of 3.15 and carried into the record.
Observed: 2.00
